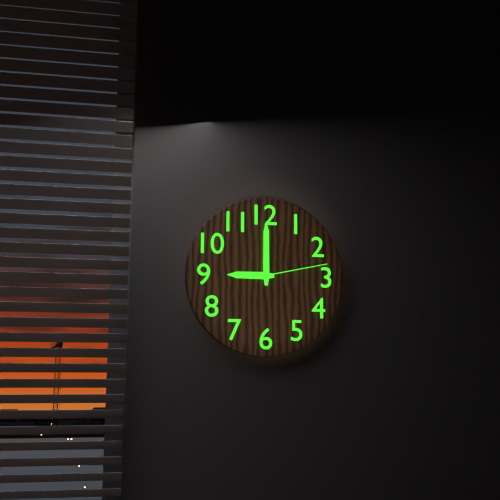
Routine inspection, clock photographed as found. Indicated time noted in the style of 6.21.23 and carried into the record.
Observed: 9.00.13
